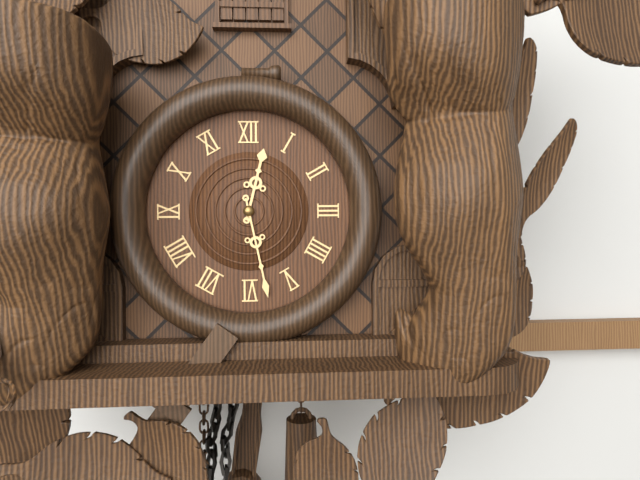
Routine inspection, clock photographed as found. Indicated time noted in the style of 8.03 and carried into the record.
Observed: 12.28
